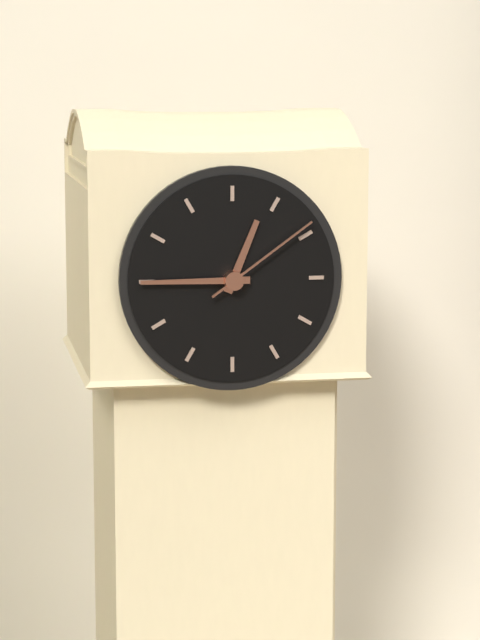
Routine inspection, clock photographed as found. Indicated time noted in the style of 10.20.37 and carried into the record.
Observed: 12.45.09
